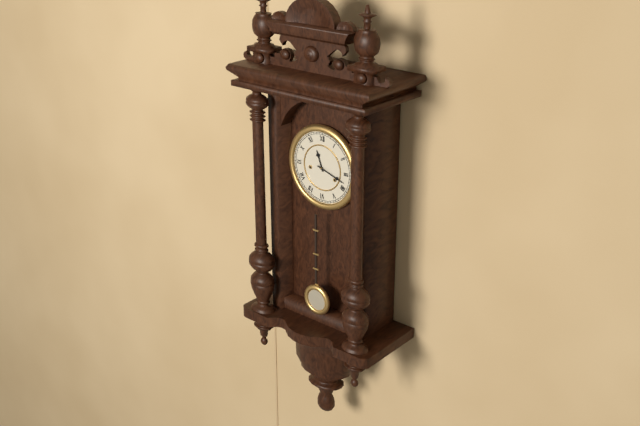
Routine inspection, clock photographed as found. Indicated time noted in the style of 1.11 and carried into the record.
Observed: 11.18
